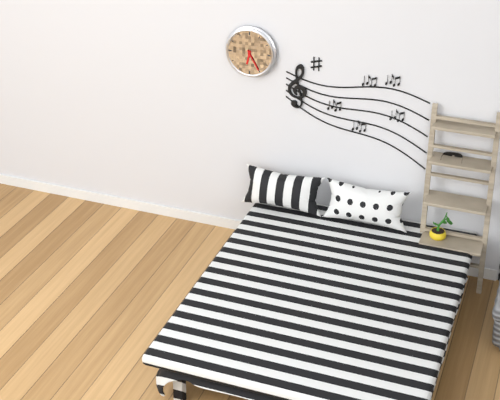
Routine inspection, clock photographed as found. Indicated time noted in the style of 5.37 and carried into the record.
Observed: 6.25
